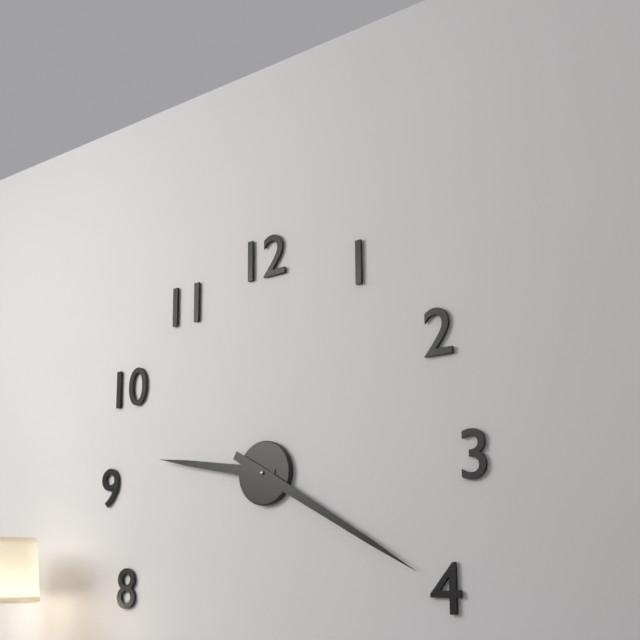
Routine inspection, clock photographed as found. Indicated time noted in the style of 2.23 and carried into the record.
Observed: 9.20
